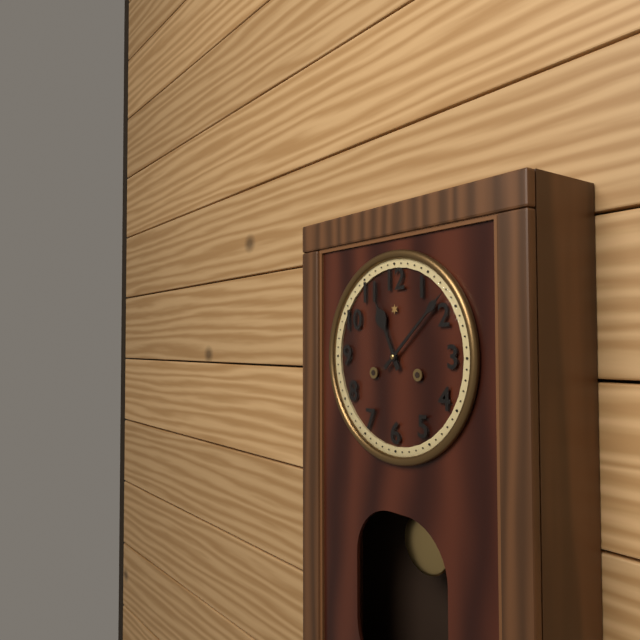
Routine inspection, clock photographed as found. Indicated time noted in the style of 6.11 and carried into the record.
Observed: 11.08
